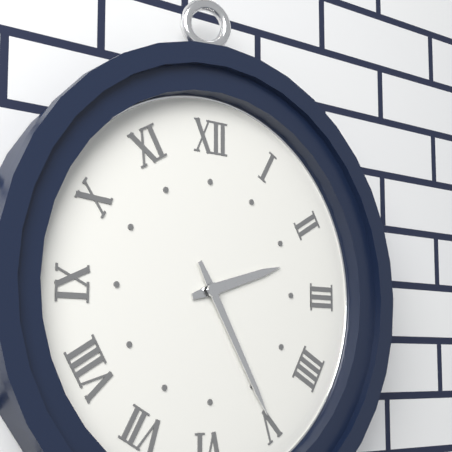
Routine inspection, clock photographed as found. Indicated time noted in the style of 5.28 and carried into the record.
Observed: 2.25
